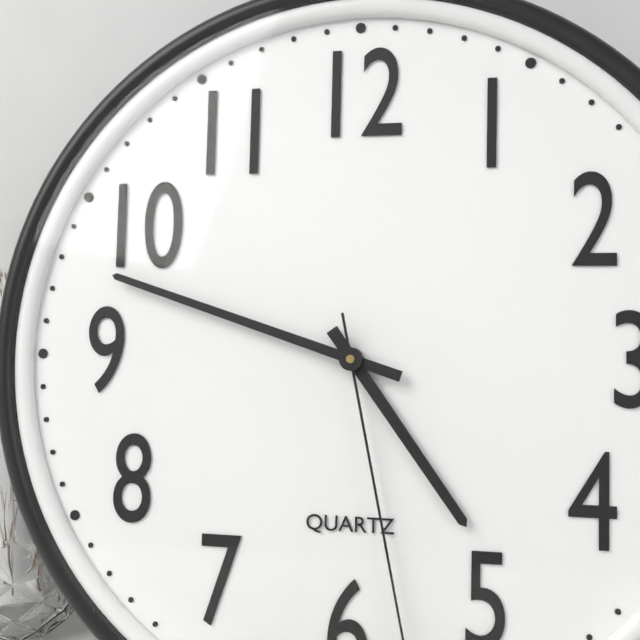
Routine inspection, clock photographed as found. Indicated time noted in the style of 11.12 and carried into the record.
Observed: 4.48
